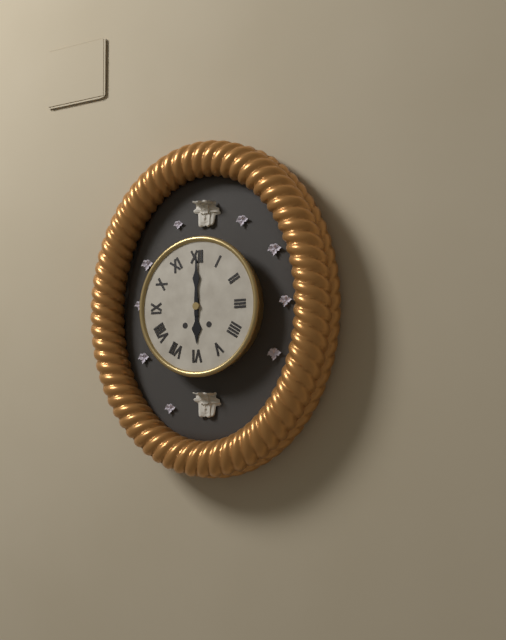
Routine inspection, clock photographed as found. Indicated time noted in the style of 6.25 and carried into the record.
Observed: 6.00
